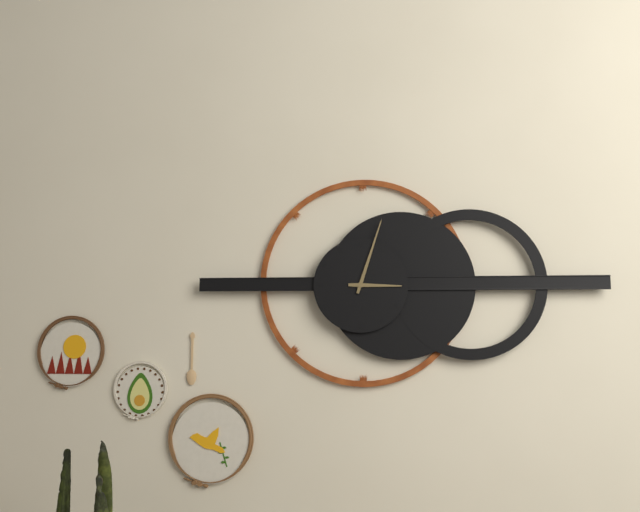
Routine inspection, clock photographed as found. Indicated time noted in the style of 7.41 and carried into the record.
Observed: 3.03
